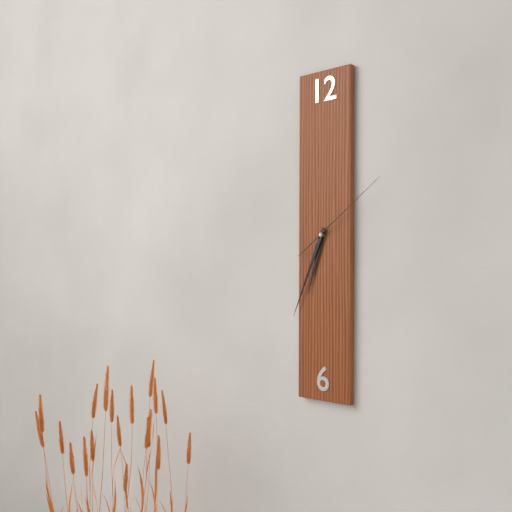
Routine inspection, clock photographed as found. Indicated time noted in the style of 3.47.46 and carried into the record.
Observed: 6.34.09
